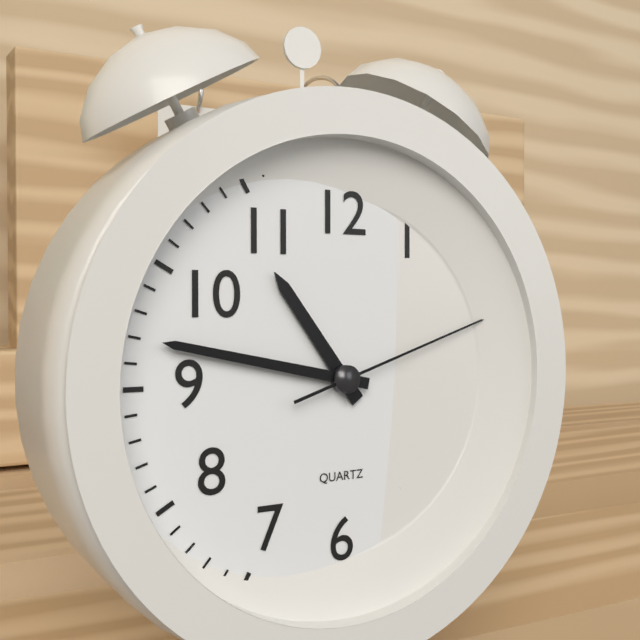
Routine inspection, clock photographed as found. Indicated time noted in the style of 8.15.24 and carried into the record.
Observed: 10.47.12
